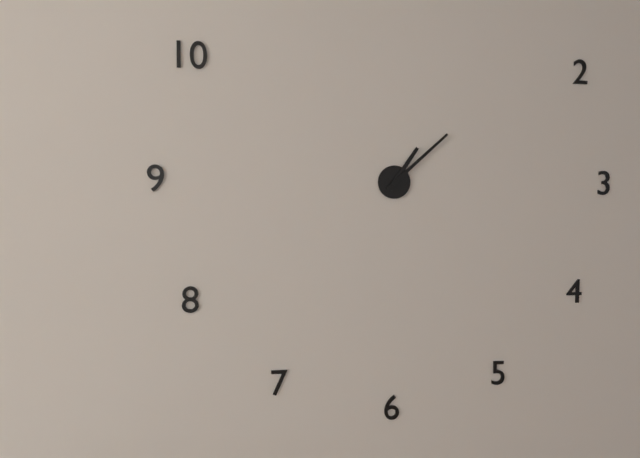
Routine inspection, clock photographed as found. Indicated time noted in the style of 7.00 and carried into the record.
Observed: 1.08
